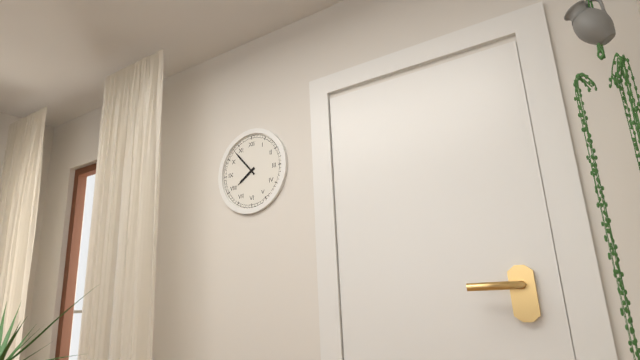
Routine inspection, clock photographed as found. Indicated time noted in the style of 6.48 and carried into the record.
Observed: 7.53
